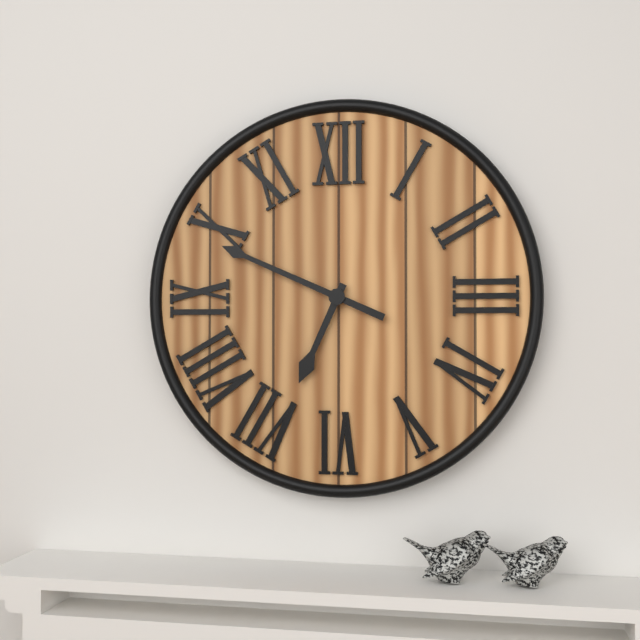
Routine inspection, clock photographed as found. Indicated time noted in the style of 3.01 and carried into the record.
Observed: 6.49
